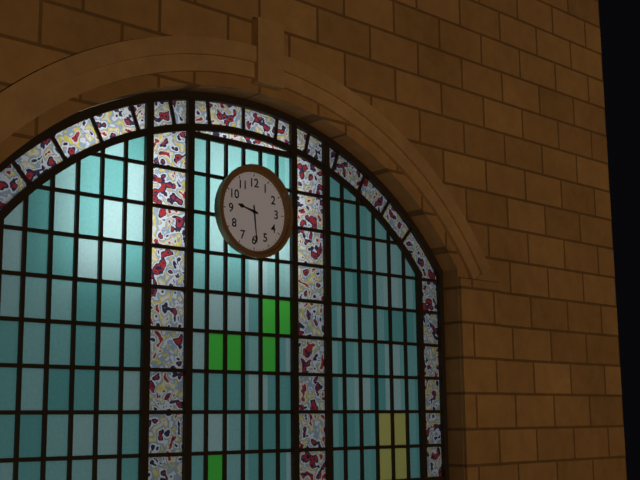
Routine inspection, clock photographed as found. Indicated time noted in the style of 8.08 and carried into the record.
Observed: 9.29
